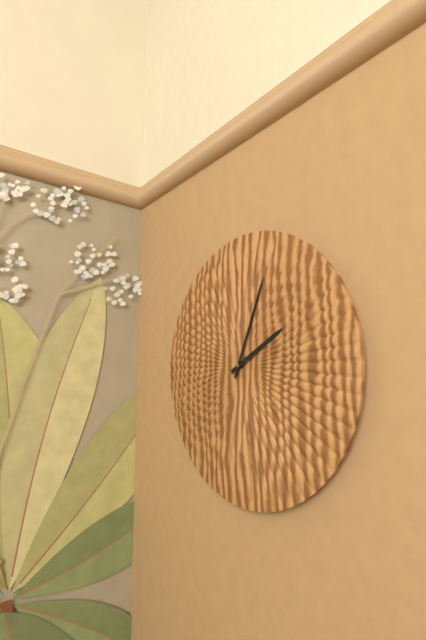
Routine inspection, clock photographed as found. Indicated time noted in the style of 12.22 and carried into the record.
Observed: 2.04
